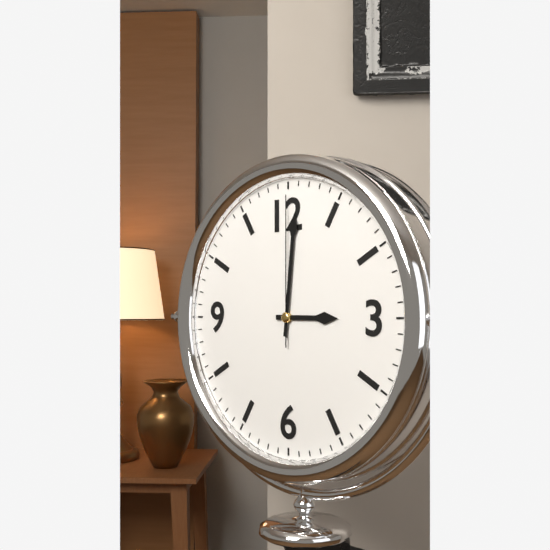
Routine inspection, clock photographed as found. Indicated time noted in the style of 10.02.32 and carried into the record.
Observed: 3.01.00
